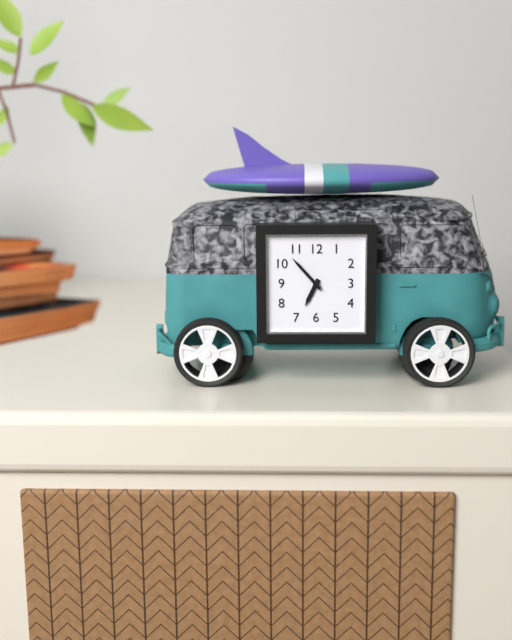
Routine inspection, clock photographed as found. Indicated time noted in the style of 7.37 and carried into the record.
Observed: 6.53
